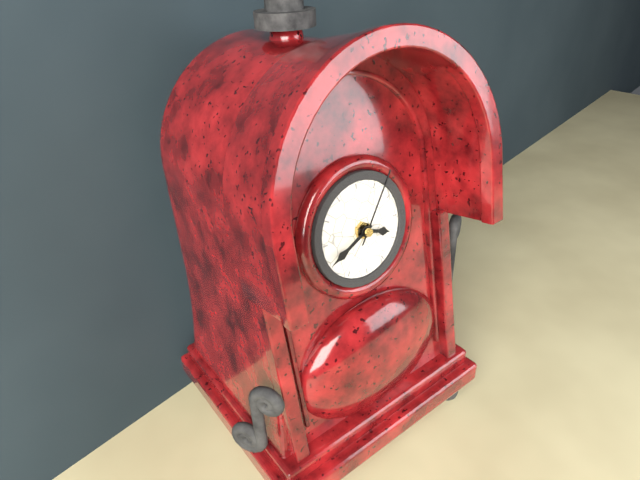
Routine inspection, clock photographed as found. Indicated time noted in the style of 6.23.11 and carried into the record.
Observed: 3.41.06
